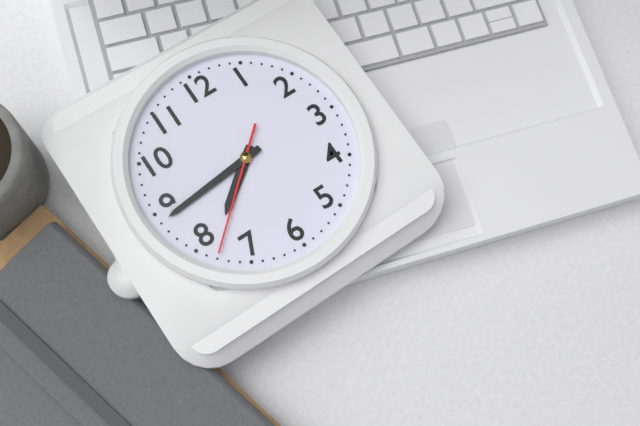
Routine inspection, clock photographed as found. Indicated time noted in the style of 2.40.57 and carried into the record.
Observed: 7.44.38
